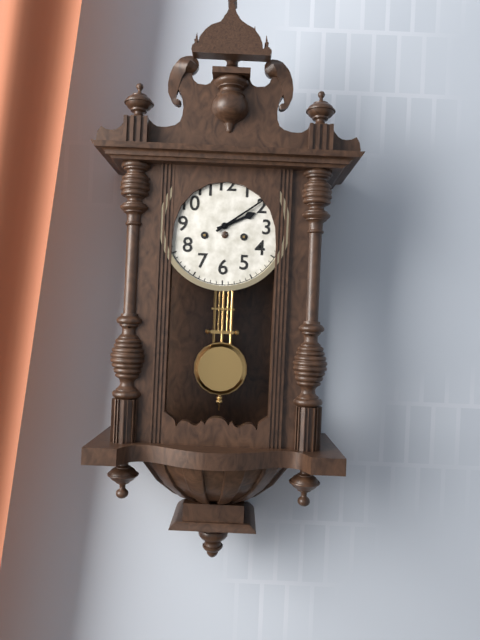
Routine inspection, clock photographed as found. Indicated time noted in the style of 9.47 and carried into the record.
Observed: 2.09
